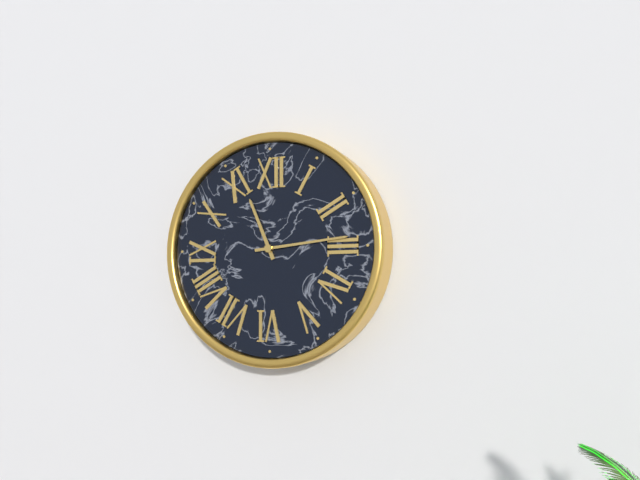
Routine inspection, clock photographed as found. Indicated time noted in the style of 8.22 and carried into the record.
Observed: 11.14
